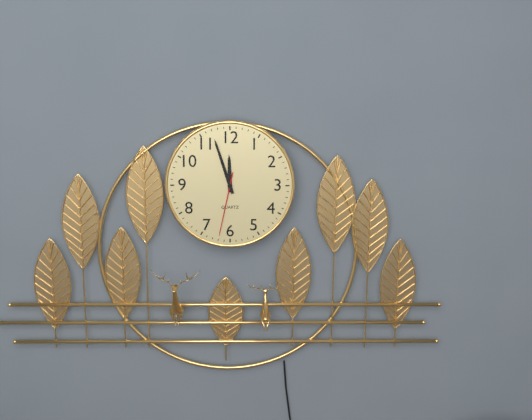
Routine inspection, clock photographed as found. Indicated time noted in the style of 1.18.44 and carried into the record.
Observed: 11.57.32
